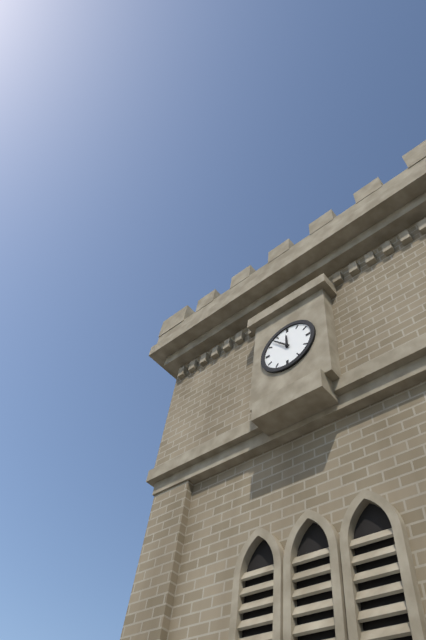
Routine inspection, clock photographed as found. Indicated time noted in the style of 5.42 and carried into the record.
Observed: 11.53
